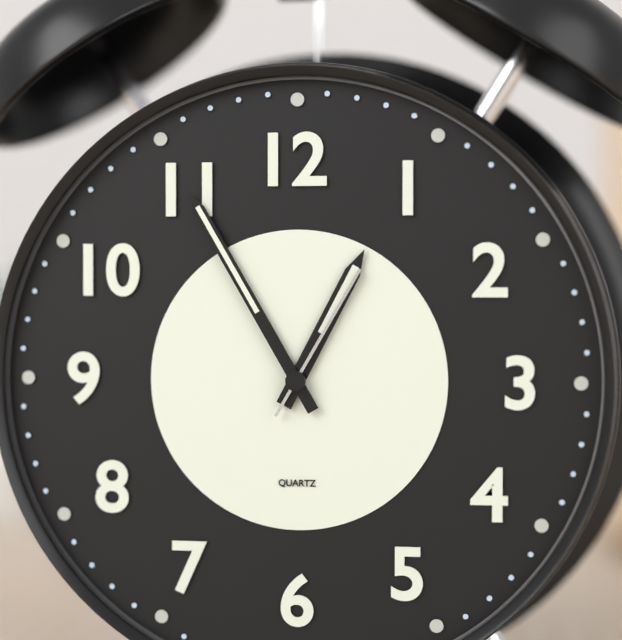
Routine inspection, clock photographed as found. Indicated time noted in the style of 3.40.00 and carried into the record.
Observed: 12.55.05
